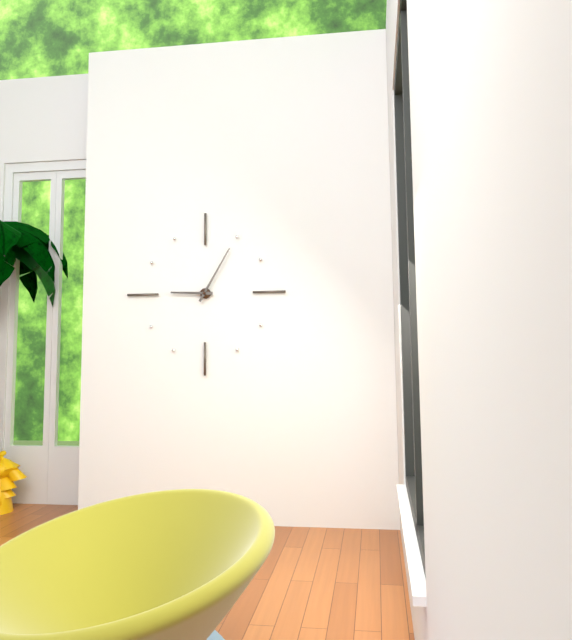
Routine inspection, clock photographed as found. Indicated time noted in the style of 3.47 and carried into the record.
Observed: 9.05
